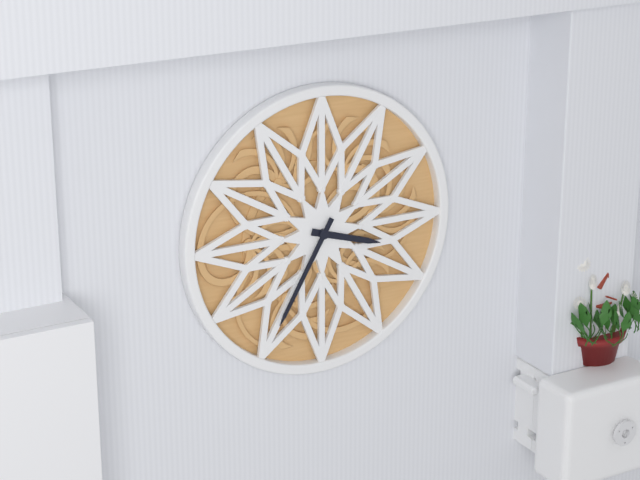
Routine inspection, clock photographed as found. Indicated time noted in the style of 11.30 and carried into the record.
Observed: 3.35
